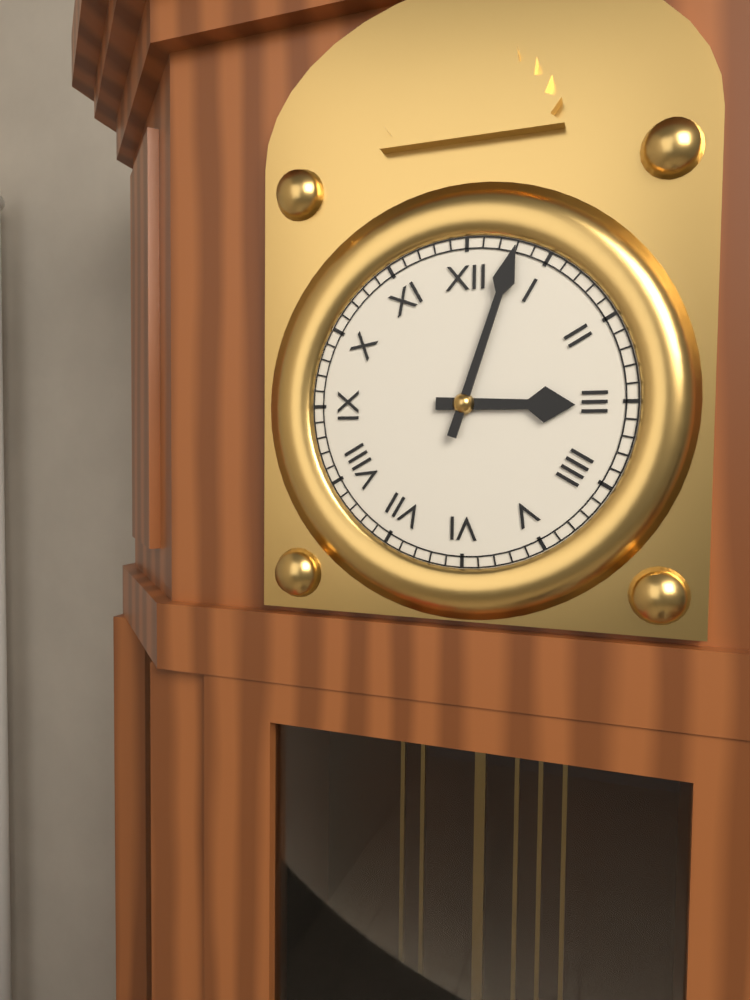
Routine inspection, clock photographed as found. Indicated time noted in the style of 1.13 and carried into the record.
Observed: 3.03
